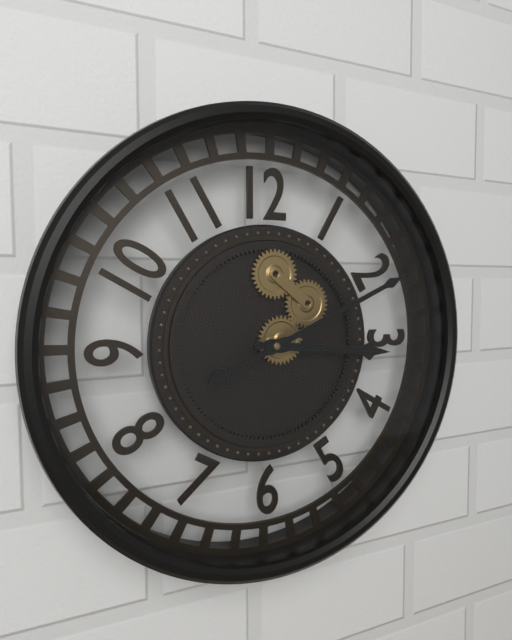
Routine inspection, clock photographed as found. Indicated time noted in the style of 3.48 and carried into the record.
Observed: 3.11
